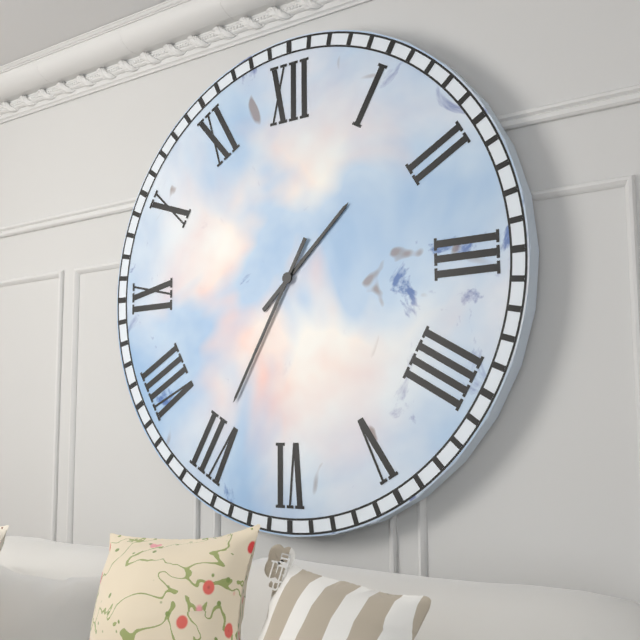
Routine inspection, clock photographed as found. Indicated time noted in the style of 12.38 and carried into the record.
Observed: 1.35
